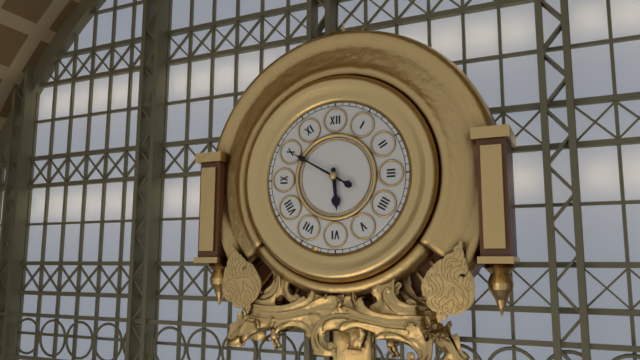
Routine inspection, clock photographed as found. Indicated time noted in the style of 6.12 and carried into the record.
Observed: 5.50
